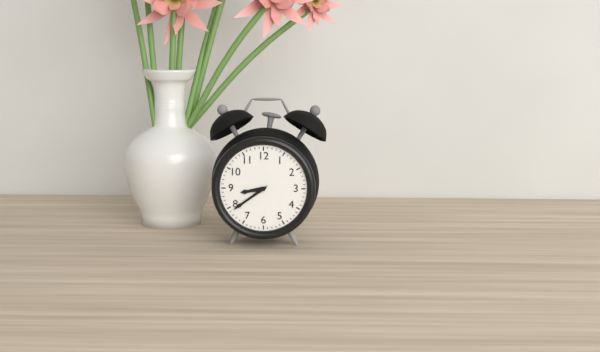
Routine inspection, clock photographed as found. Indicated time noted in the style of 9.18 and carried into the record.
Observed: 8.39
